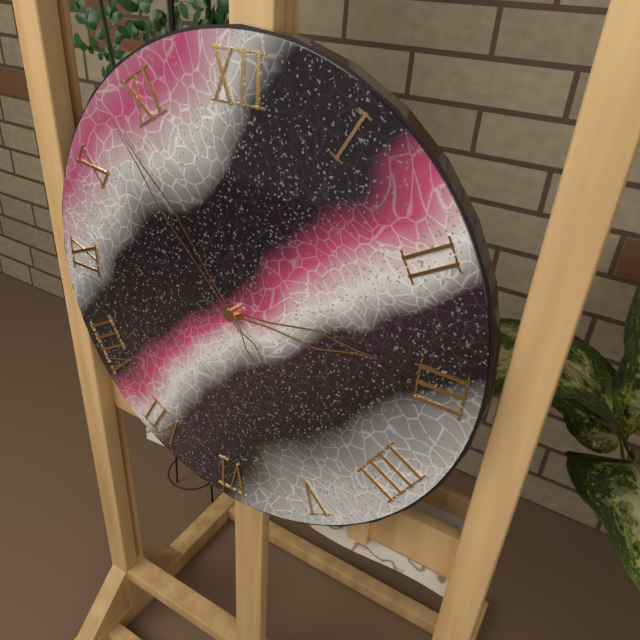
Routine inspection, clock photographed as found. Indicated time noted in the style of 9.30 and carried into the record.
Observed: 2.53
